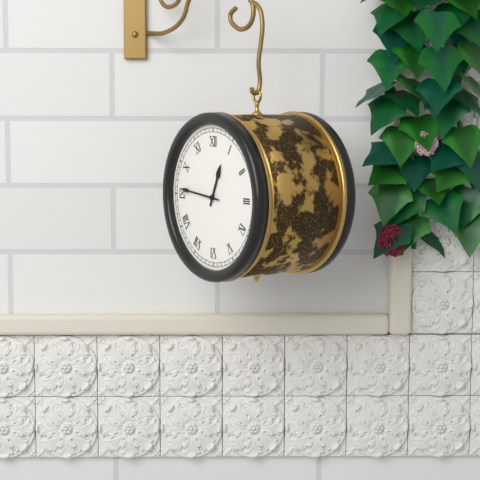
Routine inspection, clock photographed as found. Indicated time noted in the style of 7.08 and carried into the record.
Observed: 12.46
